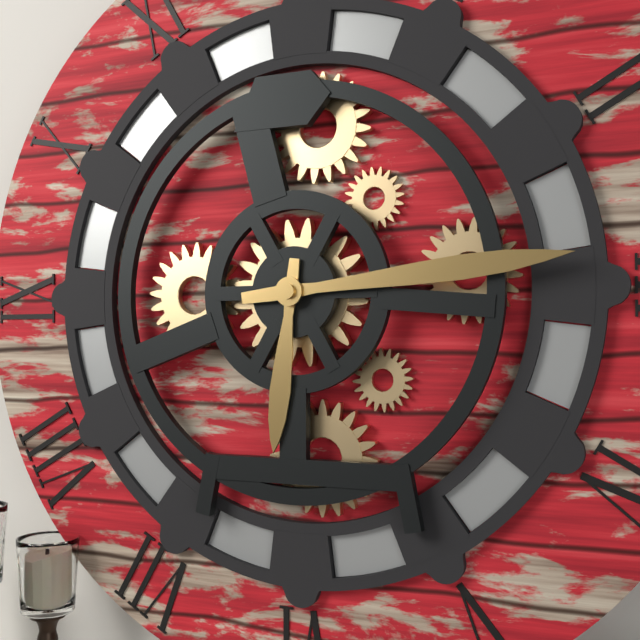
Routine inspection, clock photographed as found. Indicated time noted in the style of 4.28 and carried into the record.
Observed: 6.14
